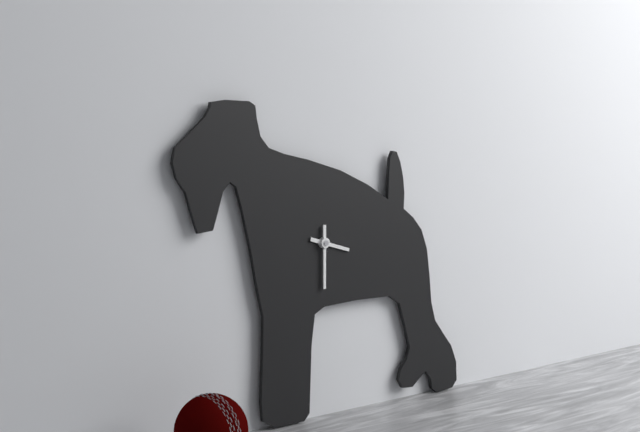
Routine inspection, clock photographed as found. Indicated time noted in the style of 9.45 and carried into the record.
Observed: 3.30
